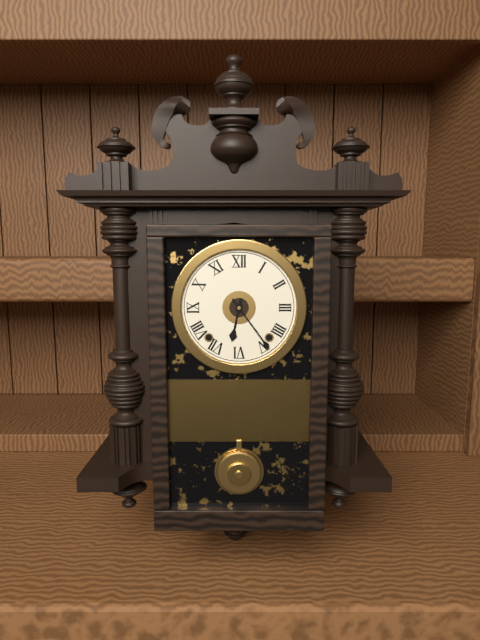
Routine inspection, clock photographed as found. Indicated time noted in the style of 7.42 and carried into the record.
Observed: 6.24
